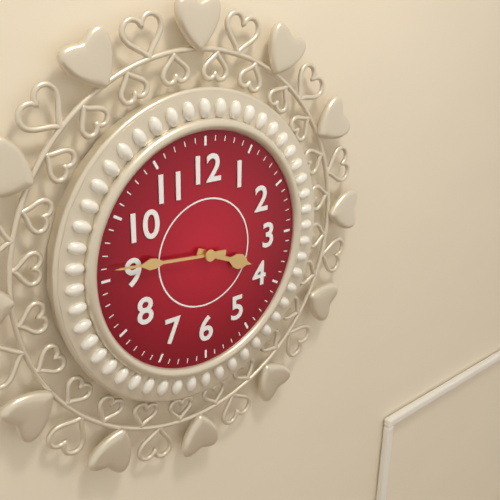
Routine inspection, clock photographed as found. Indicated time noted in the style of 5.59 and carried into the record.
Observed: 3.46
